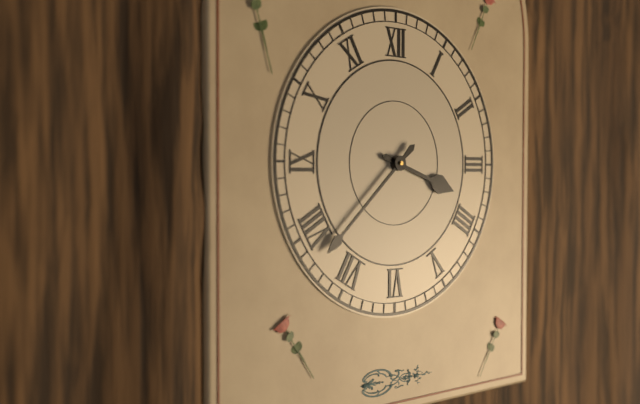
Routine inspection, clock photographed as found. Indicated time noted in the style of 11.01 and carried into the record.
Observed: 3.38
